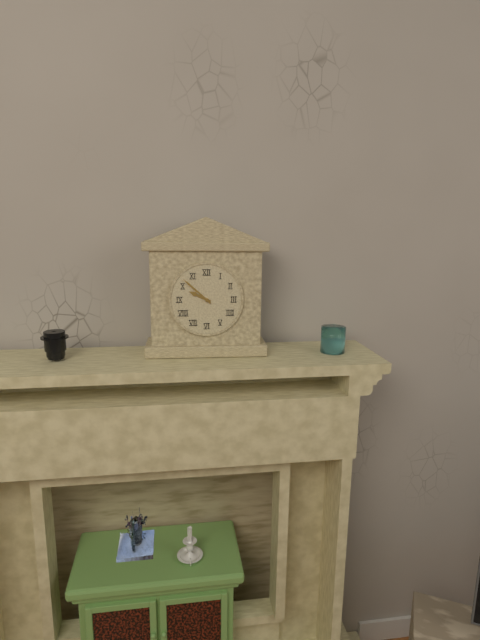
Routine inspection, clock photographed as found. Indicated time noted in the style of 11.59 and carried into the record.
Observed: 9.52
